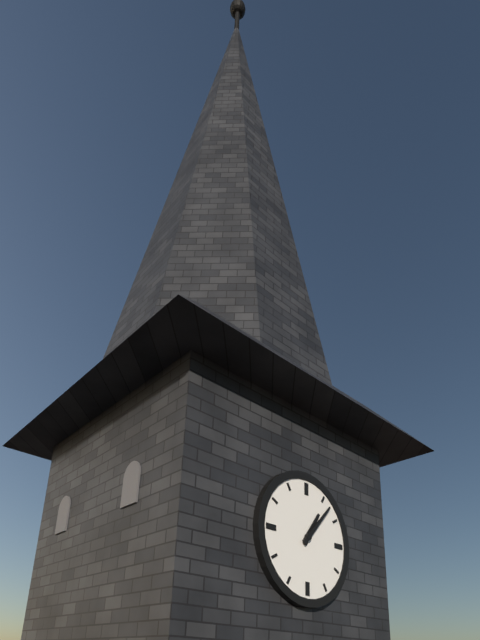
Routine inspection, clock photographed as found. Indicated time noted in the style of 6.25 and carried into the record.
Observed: 1.07
